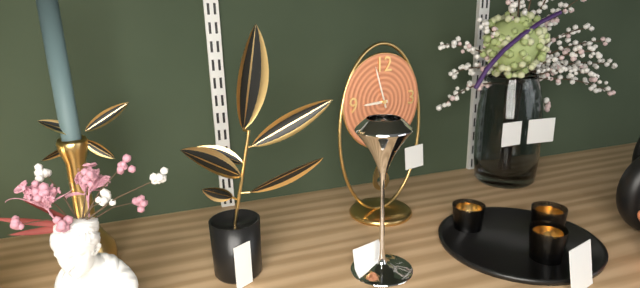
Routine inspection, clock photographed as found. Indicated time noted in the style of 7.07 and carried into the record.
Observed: 8.57
